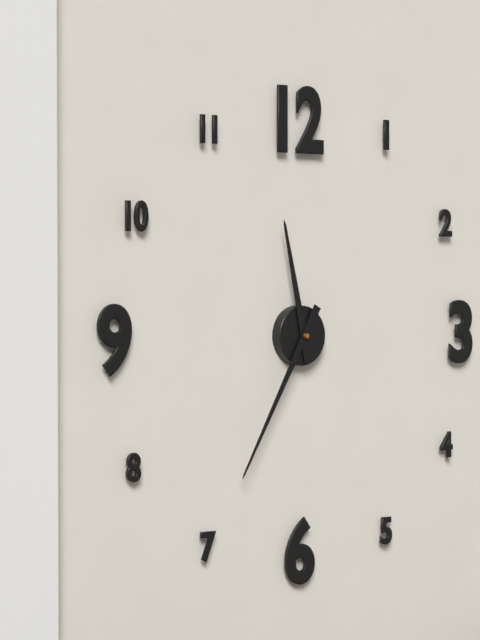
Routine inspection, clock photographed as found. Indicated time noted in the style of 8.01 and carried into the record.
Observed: 11.35
